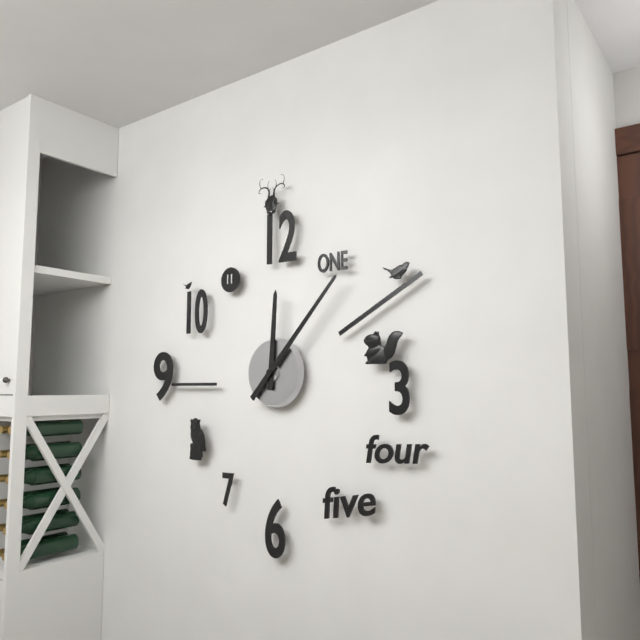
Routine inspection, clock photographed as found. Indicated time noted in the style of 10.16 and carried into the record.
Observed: 12.07
